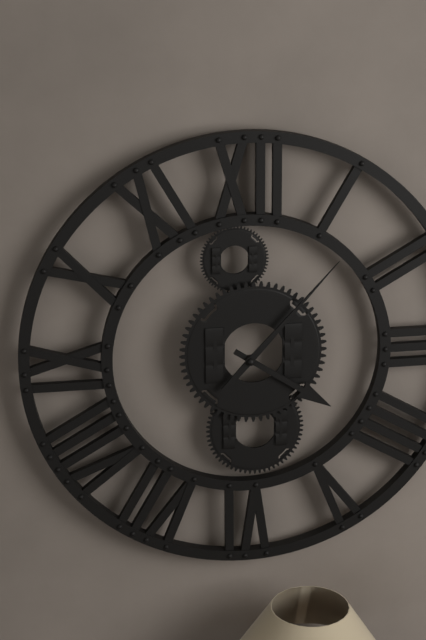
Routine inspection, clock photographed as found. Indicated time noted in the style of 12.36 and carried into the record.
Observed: 4.07
